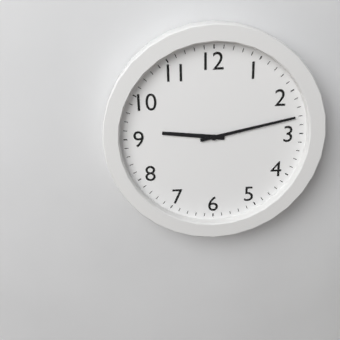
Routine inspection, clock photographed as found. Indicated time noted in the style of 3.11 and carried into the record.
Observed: 9.13
